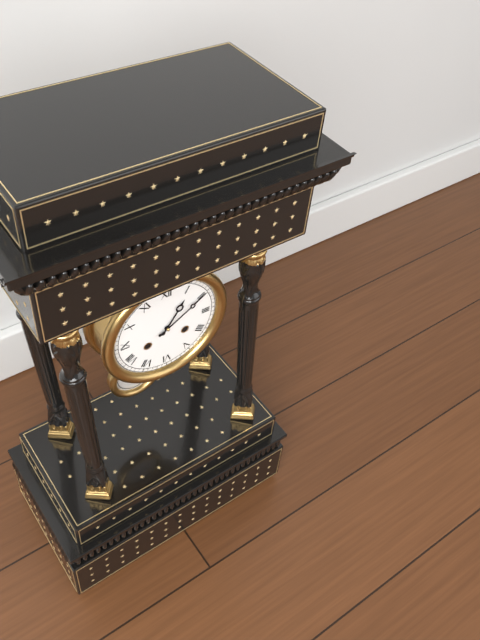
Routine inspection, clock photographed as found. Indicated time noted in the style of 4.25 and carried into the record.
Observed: 1.10
